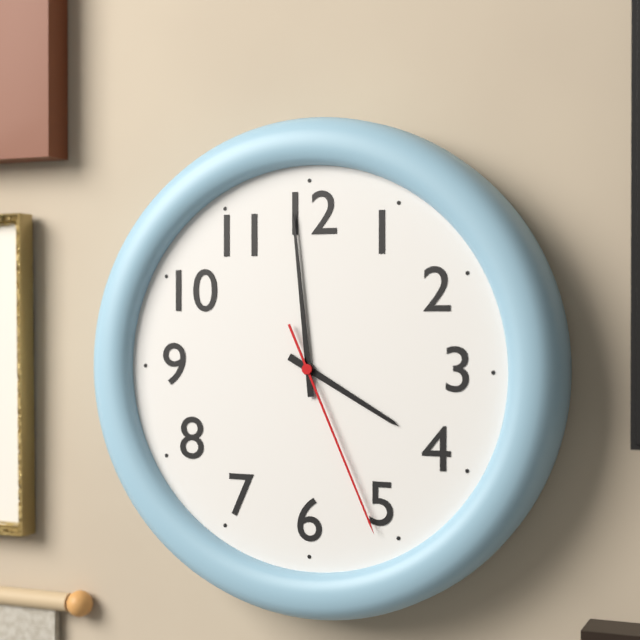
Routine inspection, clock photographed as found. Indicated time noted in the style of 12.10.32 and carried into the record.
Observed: 3.59.26
